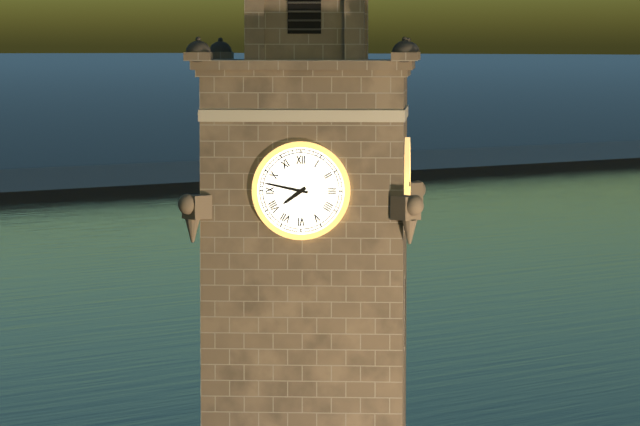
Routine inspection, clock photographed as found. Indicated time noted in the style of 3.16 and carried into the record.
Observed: 7.47
